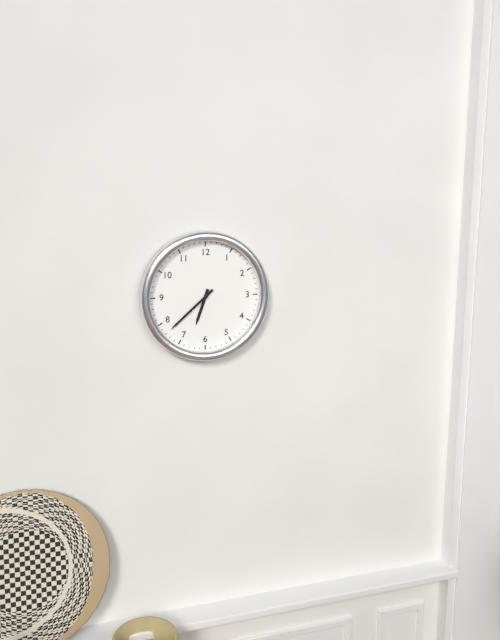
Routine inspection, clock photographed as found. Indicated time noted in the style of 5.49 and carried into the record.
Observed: 6.38
